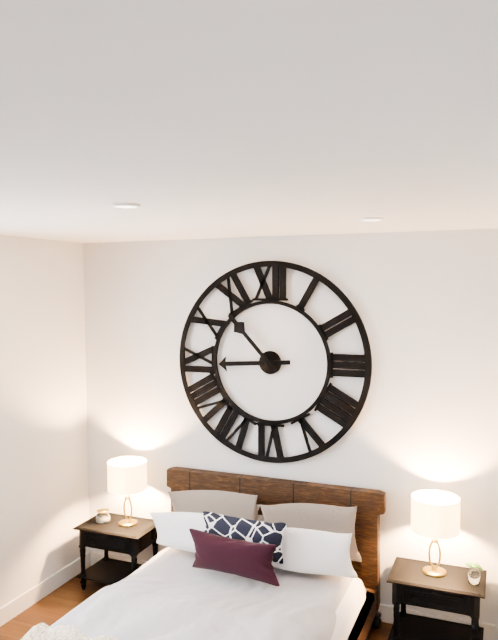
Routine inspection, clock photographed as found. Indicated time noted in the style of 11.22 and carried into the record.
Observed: 8.53
